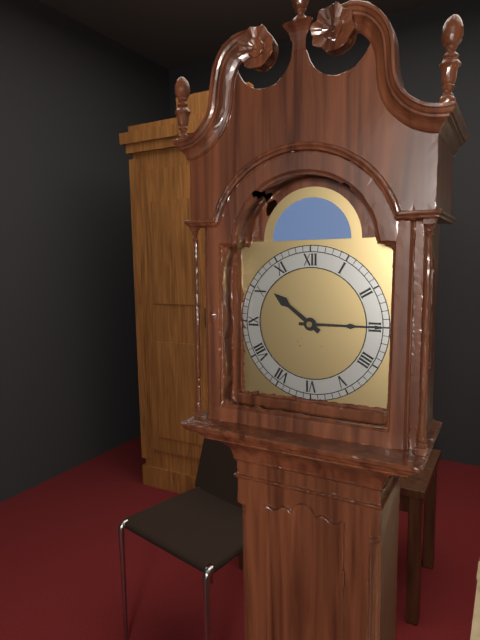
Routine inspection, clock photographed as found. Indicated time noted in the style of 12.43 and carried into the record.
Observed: 10.15
